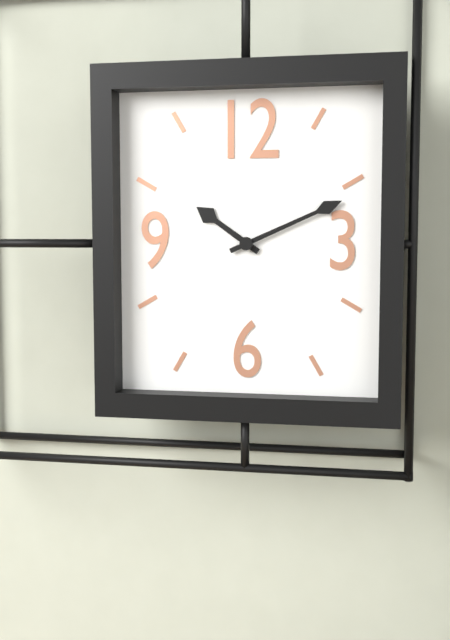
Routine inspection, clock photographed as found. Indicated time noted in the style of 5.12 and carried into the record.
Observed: 10.11
